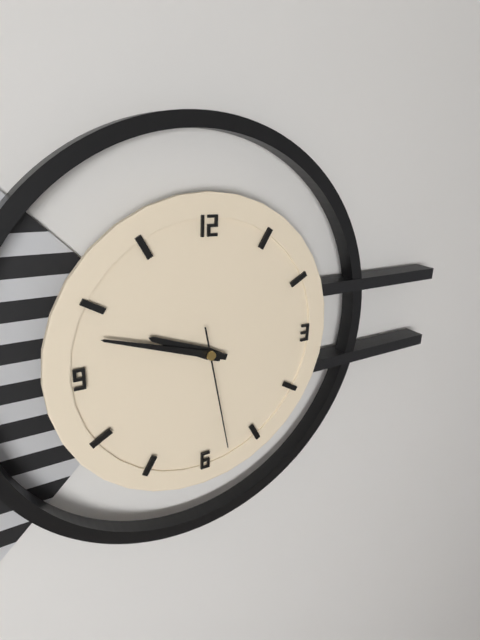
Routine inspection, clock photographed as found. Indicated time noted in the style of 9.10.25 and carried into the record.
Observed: 9.48.28
